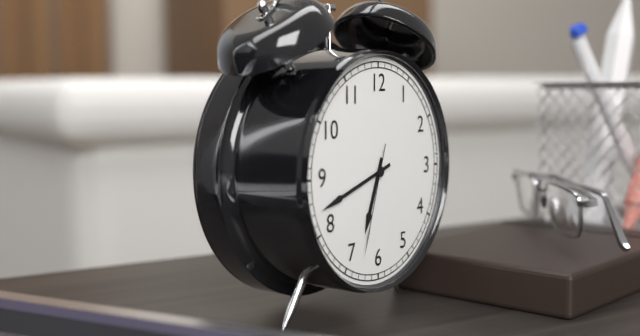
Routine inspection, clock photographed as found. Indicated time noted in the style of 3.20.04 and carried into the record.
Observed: 6.42.33
